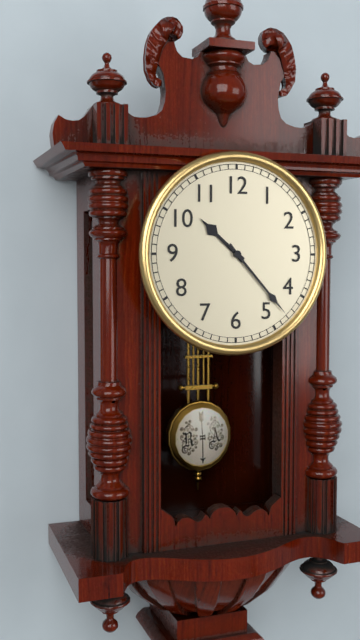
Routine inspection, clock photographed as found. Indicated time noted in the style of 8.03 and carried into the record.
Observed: 10.23
